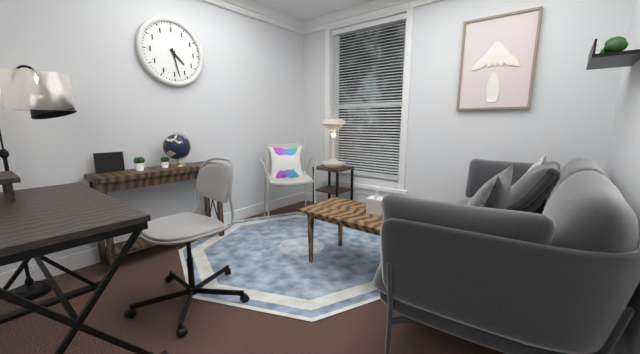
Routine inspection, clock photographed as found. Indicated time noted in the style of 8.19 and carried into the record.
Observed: 4.28
